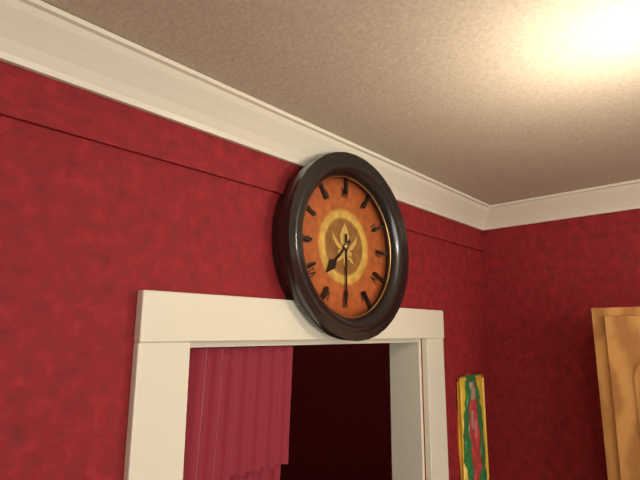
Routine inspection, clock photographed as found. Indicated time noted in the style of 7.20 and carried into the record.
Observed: 7.30
